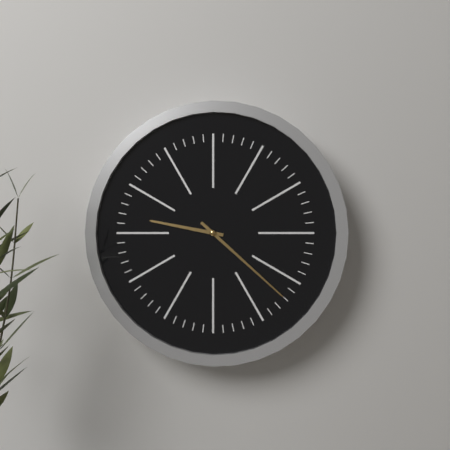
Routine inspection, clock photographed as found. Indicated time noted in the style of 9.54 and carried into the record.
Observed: 9.22
